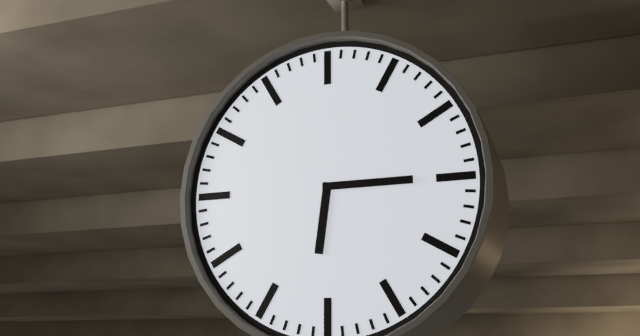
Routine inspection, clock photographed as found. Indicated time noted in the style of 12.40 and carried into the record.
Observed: 6.15
